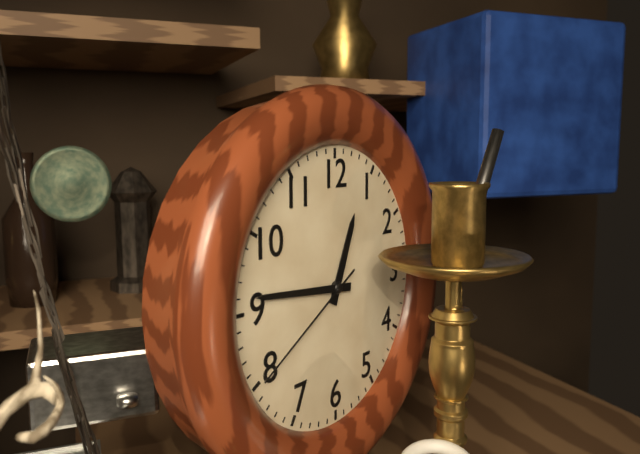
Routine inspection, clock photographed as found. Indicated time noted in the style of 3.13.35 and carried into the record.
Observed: 12.46.40
